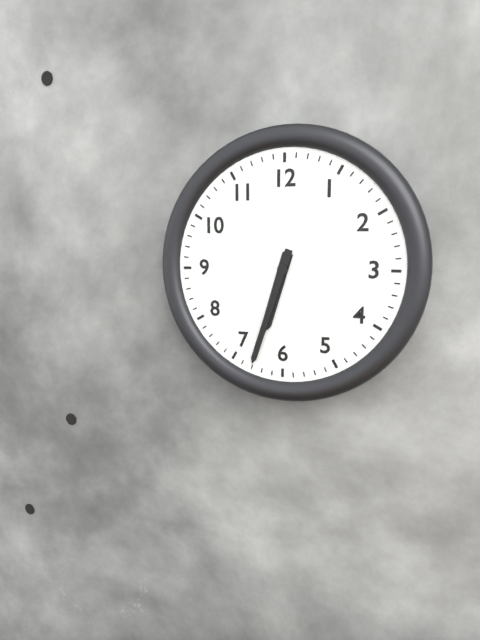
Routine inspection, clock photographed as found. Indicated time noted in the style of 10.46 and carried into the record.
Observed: 6.33
